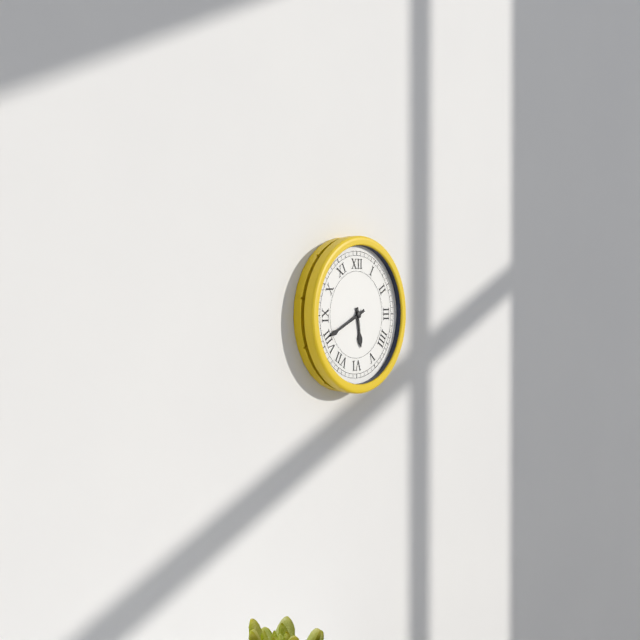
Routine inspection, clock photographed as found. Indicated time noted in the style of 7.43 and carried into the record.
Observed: 5.41
